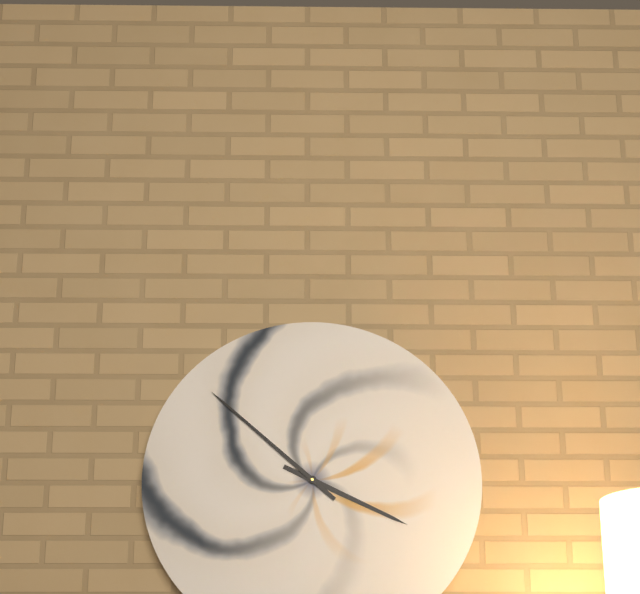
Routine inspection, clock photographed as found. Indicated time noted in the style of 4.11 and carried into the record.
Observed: 3.52
